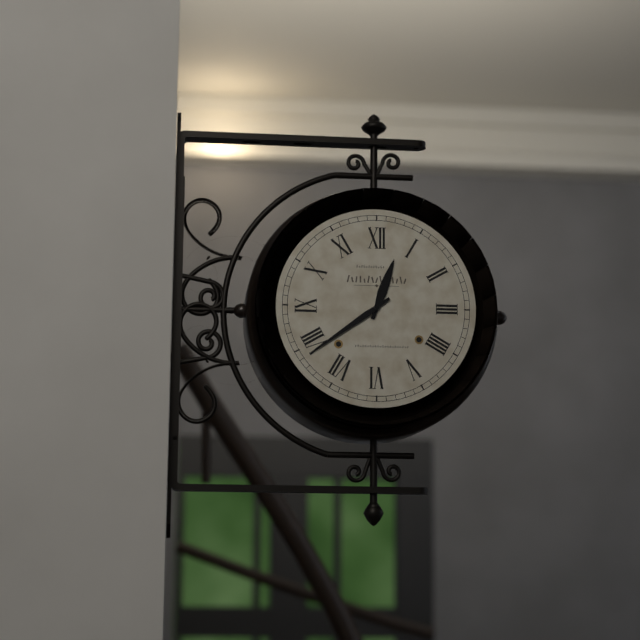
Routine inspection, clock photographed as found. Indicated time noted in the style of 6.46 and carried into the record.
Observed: 12.39
